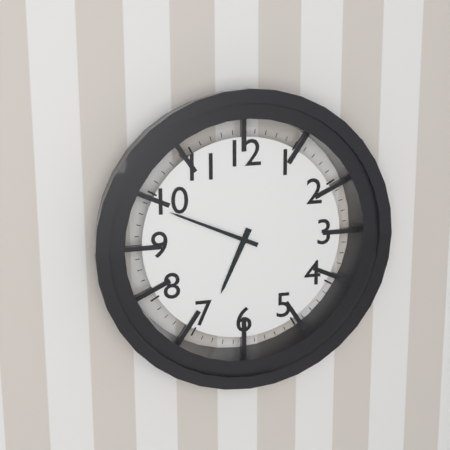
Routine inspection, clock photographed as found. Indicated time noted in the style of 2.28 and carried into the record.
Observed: 6.49
